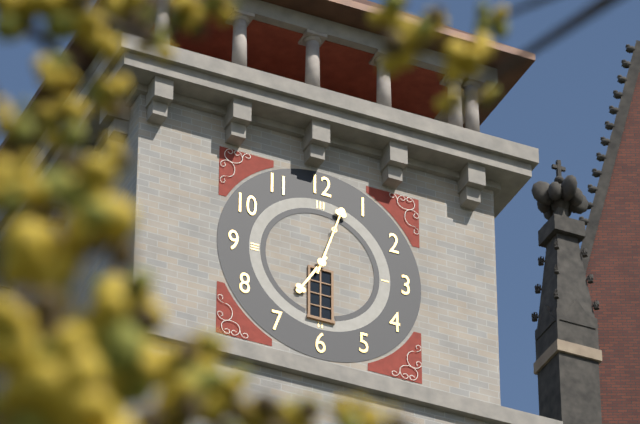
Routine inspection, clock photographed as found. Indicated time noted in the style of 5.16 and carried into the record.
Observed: 7.03
